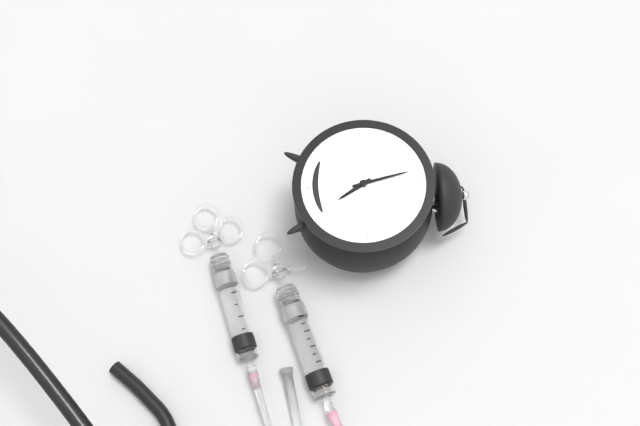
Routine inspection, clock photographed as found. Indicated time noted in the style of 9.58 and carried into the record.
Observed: 4.58
